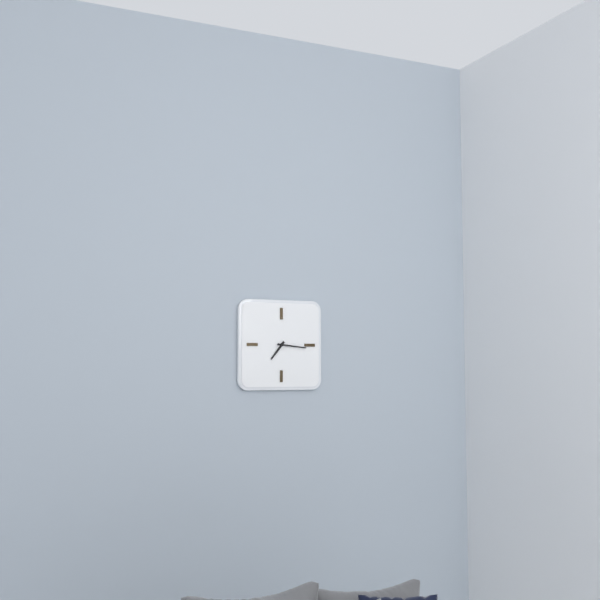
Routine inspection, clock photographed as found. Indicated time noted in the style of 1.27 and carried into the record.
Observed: 7.16
